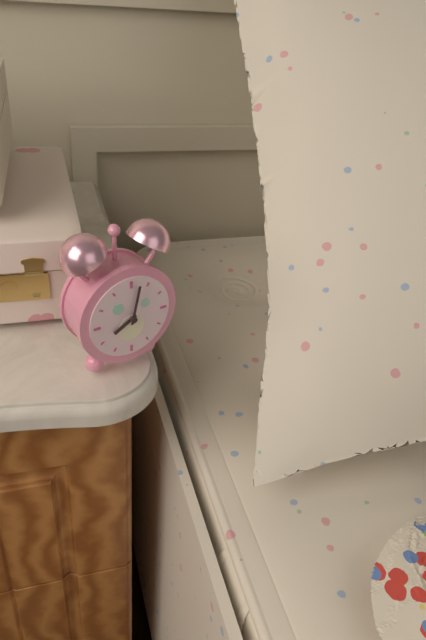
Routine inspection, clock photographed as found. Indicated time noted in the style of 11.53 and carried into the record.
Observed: 8.02
